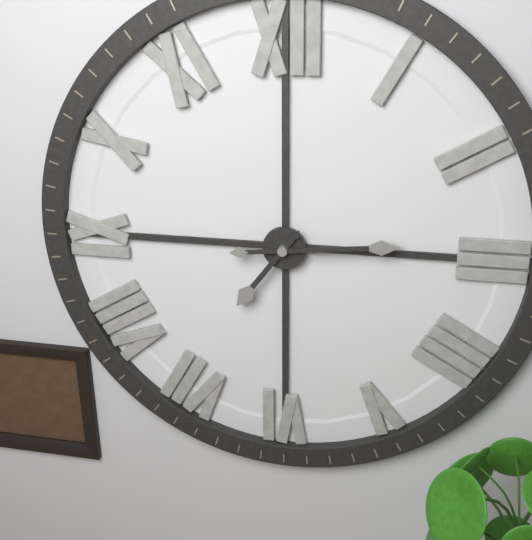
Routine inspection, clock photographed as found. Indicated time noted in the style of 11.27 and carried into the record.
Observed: 7.14
